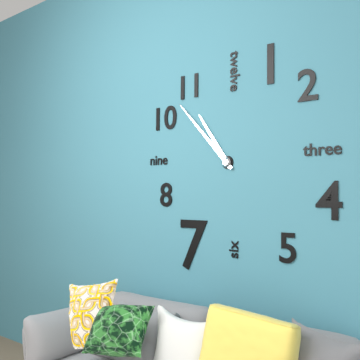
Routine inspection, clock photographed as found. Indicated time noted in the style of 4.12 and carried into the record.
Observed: 10.53
